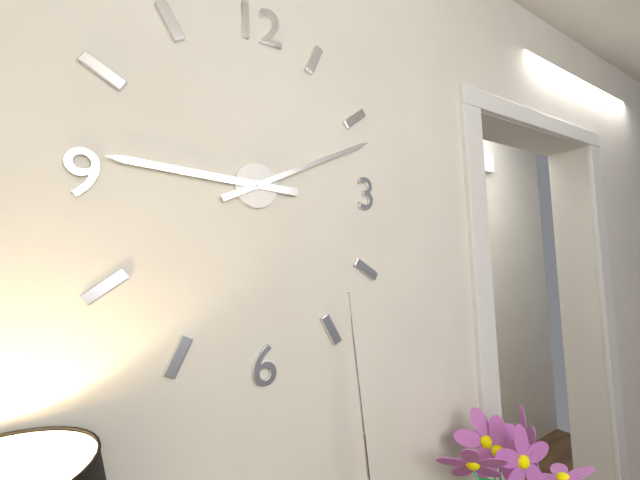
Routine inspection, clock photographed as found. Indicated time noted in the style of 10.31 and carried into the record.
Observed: 9.11
